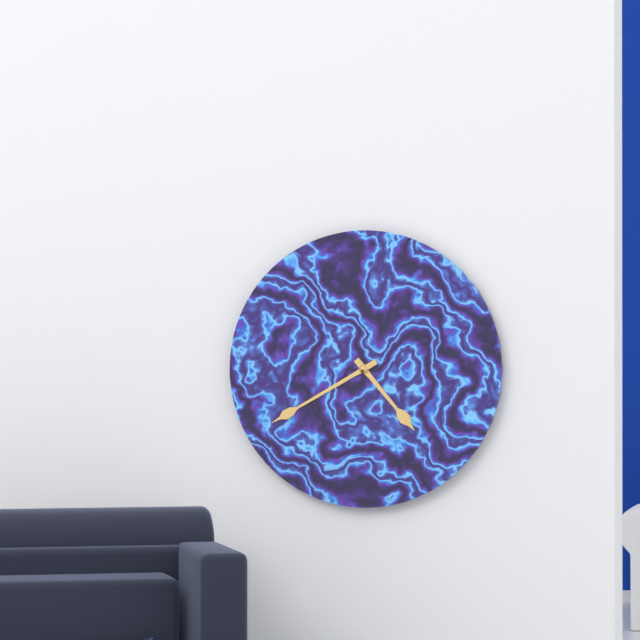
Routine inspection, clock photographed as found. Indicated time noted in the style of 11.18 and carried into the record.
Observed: 4.40
